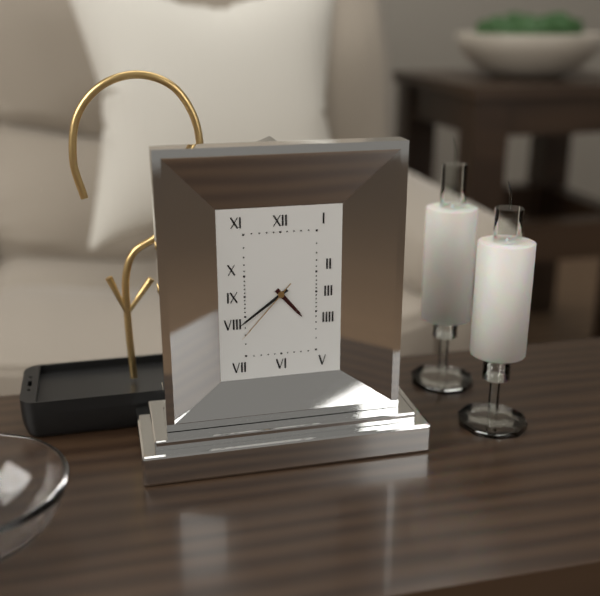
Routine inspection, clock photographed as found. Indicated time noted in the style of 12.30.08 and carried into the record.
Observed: 4.39.37
